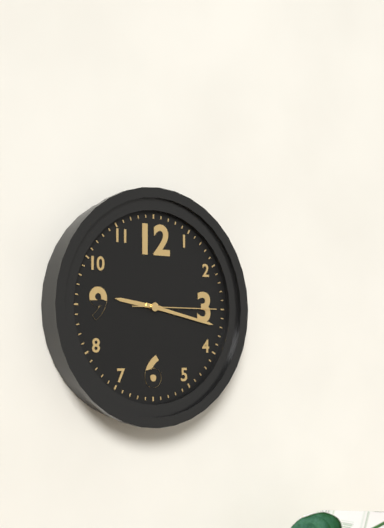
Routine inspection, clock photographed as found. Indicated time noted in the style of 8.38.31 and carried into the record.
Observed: 9.17.15
